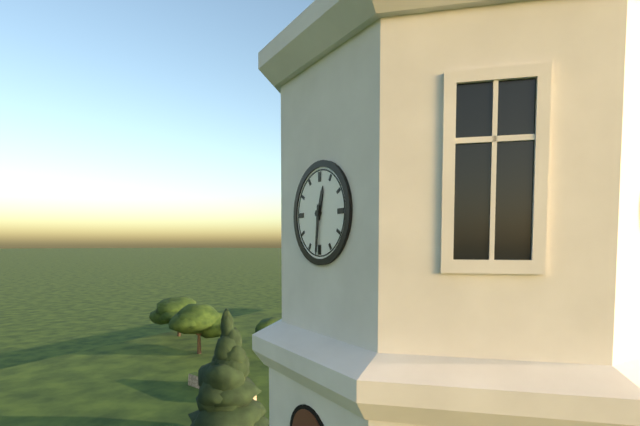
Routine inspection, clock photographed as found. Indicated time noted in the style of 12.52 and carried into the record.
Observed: 12.31
